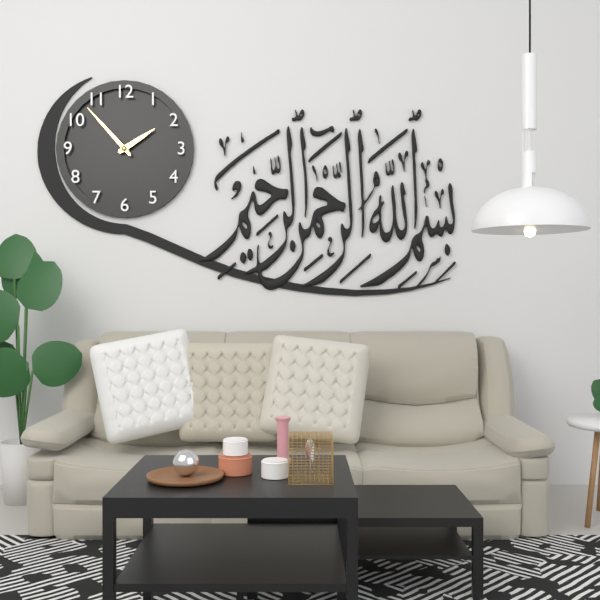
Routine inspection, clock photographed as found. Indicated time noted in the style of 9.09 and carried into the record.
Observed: 1.53
